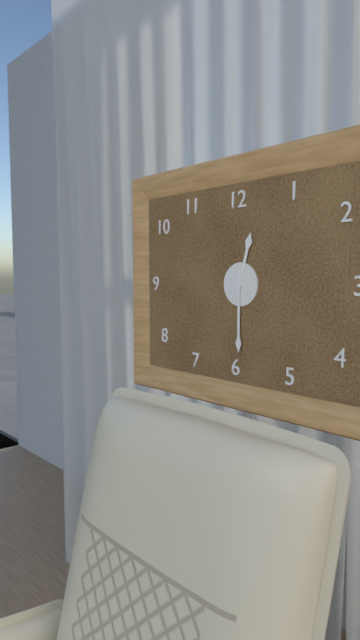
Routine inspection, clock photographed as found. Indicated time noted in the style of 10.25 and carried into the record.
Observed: 12.30
